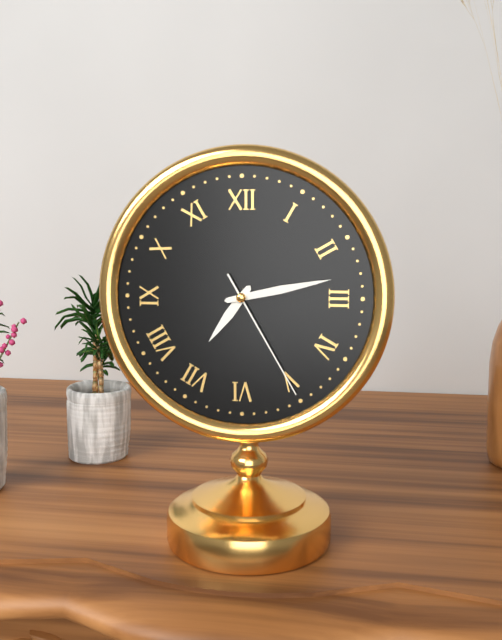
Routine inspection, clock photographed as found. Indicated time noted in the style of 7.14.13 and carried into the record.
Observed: 7.13.25
